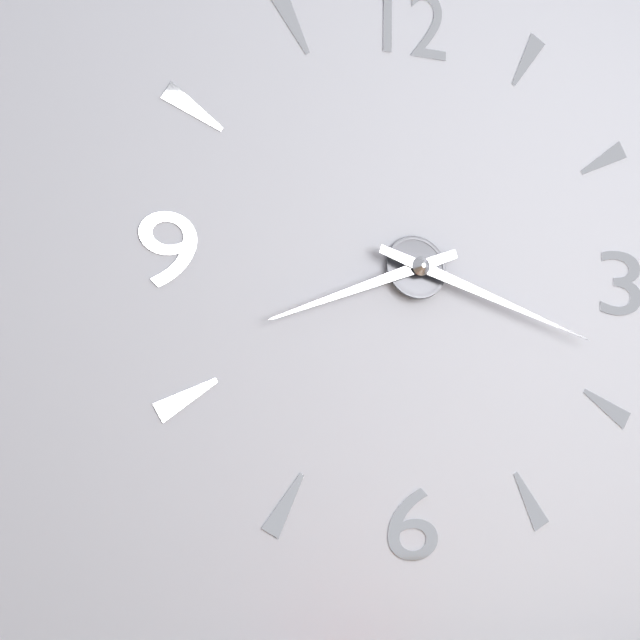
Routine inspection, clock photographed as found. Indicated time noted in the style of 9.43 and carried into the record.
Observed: 8.18
